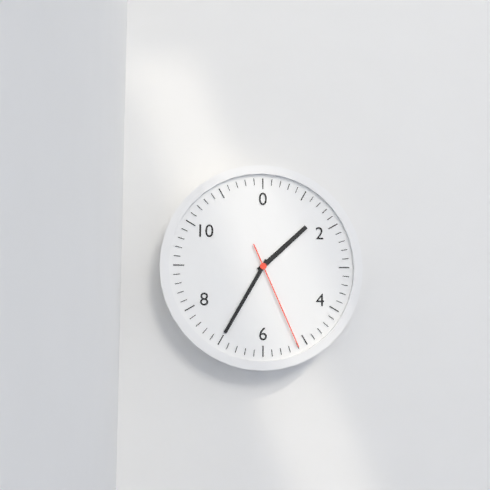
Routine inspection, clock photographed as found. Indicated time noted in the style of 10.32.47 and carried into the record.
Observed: 1.35.26
